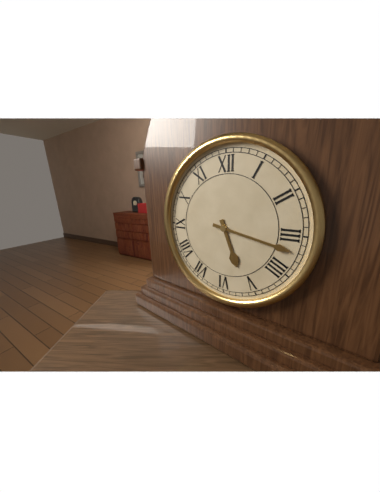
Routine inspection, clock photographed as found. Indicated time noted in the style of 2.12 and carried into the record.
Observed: 5.17
